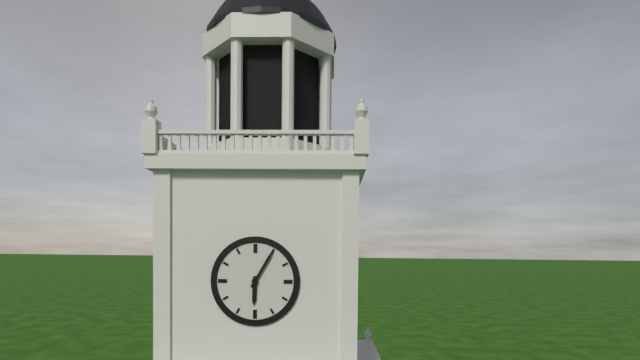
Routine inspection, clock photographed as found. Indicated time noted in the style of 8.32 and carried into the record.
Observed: 6.05
